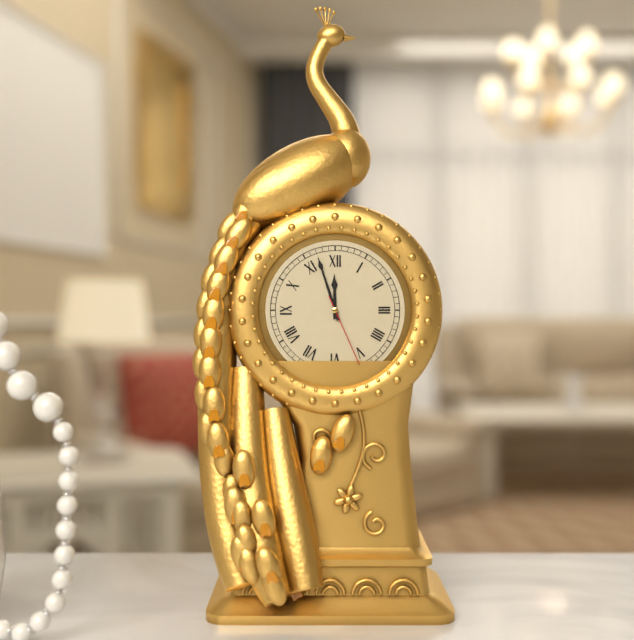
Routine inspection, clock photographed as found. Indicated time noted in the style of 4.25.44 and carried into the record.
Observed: 11.57.26
